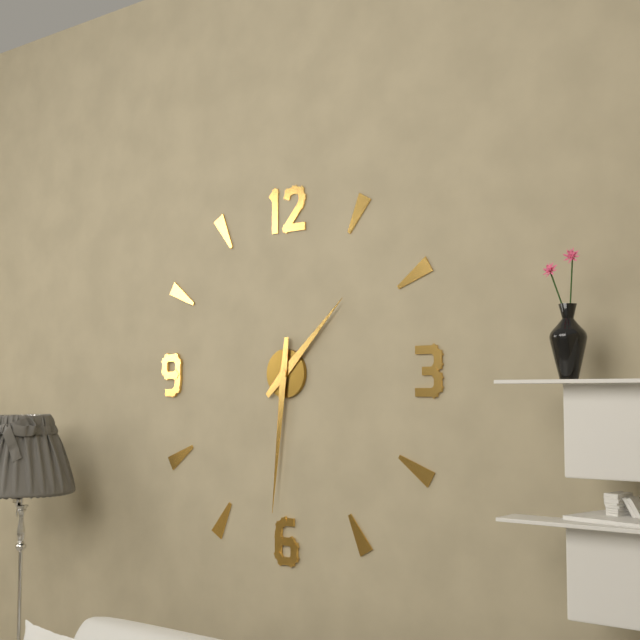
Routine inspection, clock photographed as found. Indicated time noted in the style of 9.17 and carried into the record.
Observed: 1.31
